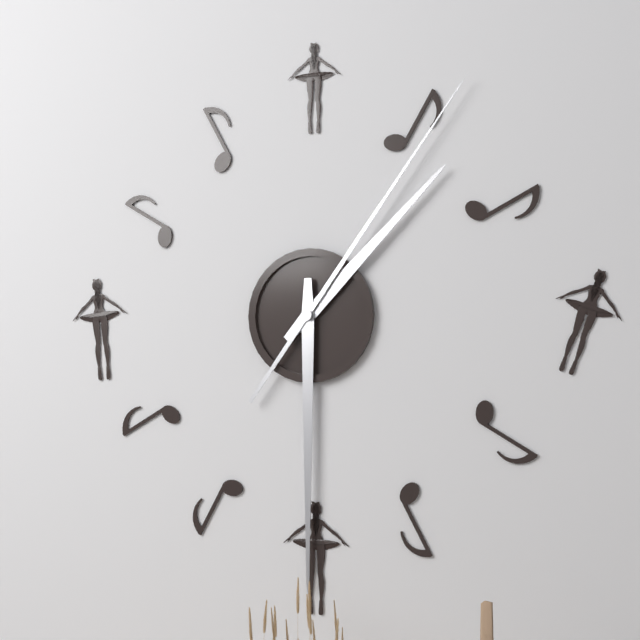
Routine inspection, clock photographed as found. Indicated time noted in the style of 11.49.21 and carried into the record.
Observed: 1.30.06
